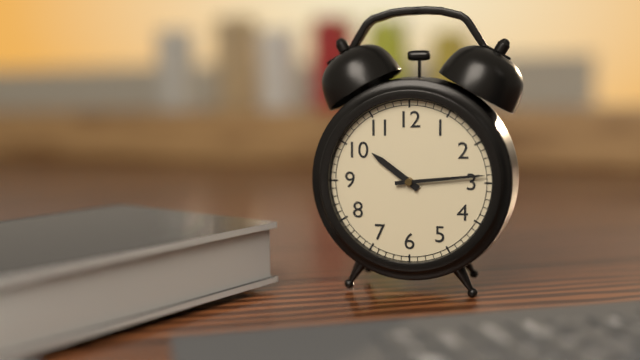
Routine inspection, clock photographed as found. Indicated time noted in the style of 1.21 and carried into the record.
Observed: 10.14
